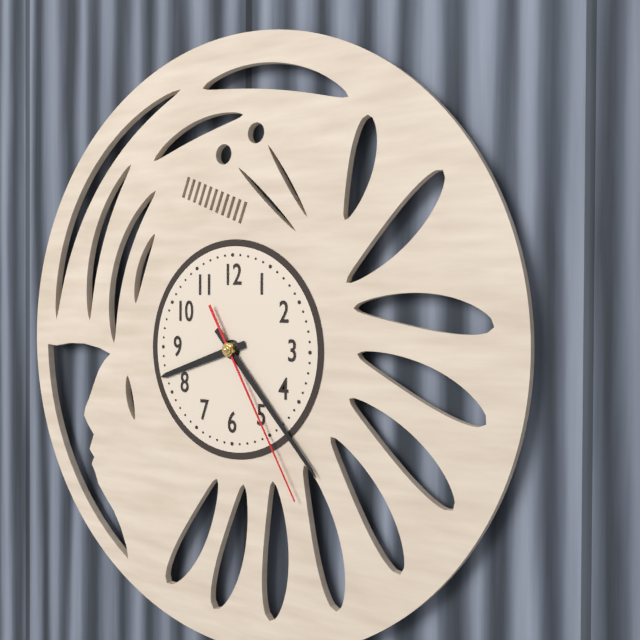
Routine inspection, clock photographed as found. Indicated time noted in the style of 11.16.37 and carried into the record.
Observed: 8.23.25
